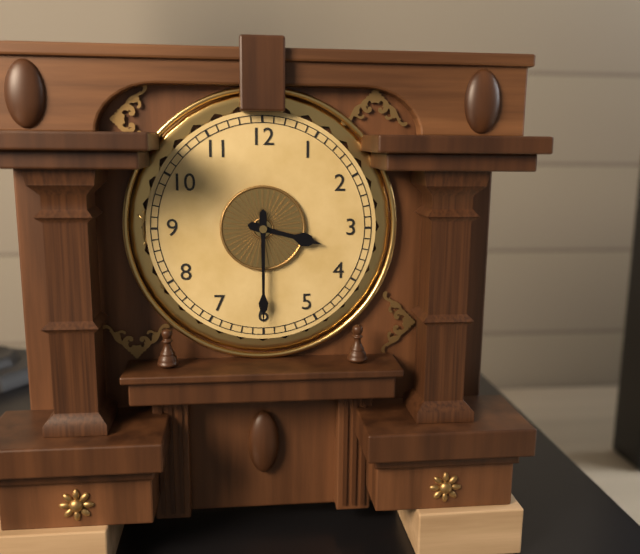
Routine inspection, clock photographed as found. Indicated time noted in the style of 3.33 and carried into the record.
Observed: 3.30
